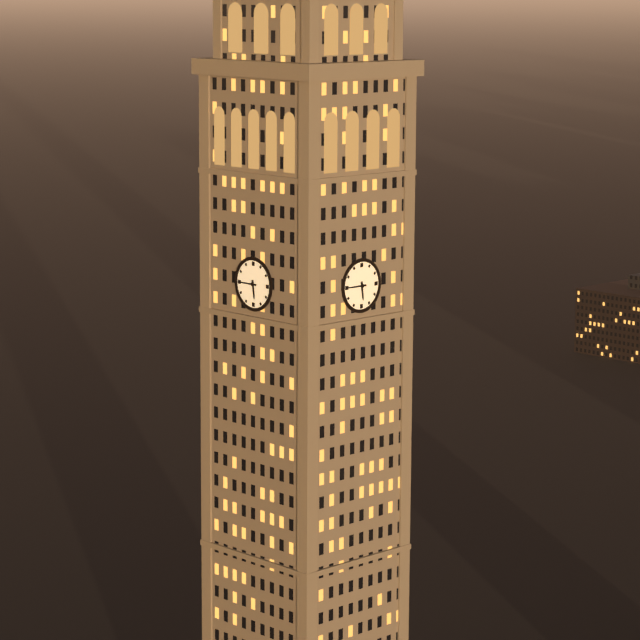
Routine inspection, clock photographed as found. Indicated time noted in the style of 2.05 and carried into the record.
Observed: 5.45
